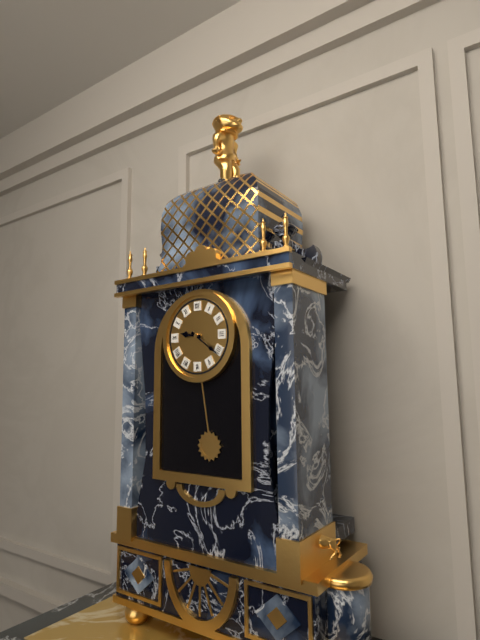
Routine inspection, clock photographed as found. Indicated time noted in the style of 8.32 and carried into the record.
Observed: 9.21
